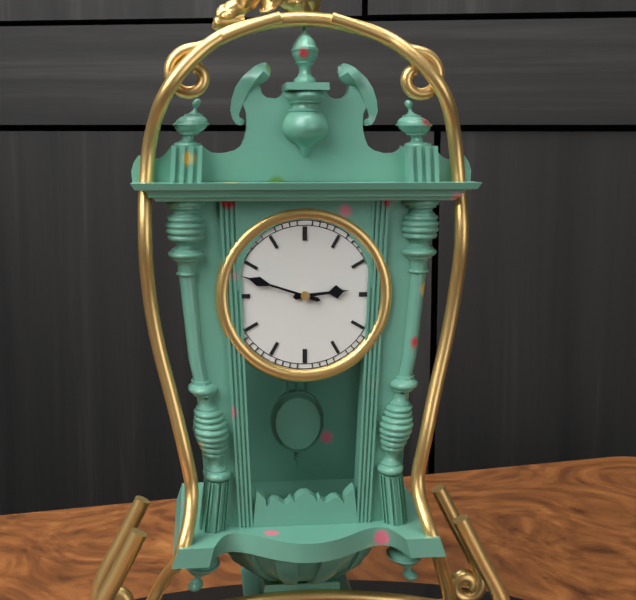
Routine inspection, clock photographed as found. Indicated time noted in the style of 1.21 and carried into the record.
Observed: 2.48
